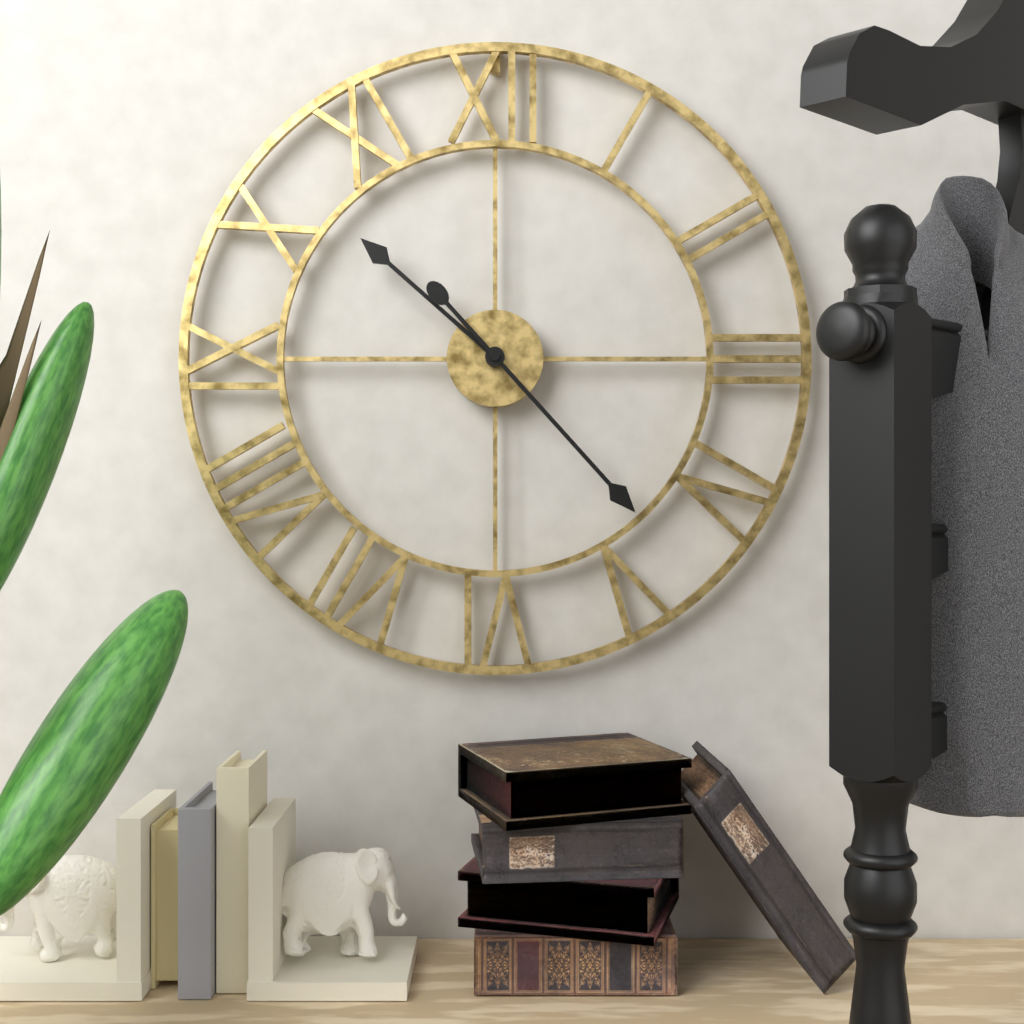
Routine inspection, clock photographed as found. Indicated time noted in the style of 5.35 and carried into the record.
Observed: 10.23
